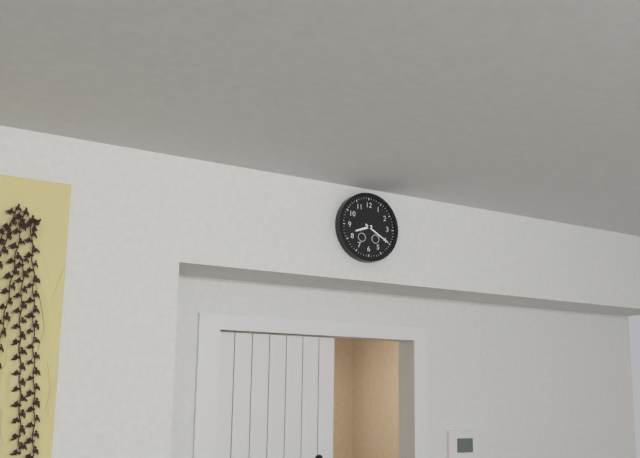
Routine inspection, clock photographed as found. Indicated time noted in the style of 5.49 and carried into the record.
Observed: 8.20
